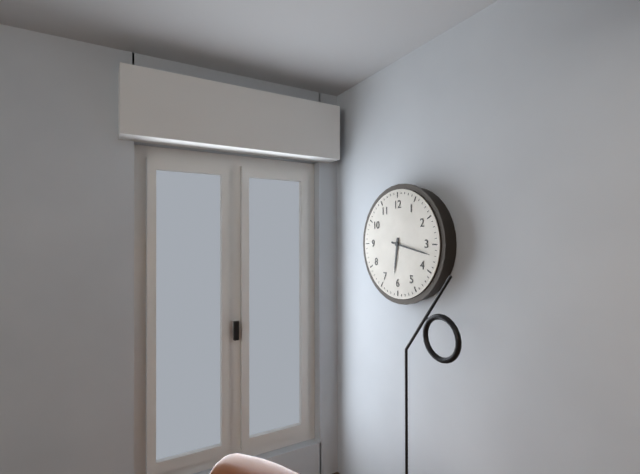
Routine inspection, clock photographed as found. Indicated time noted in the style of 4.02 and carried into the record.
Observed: 6.17
